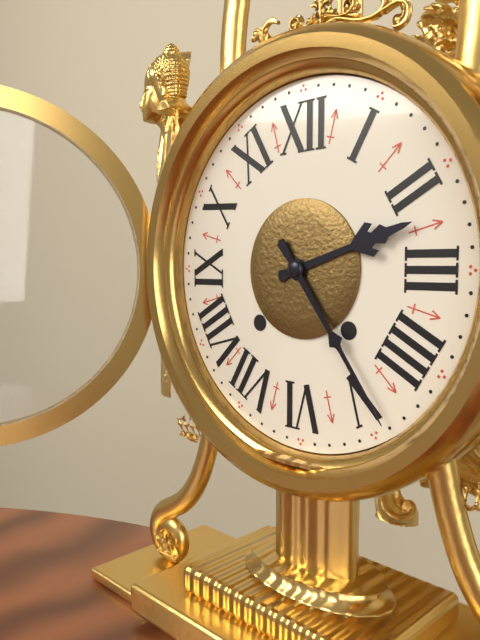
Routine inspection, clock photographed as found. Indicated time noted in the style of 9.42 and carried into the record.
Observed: 2.24
